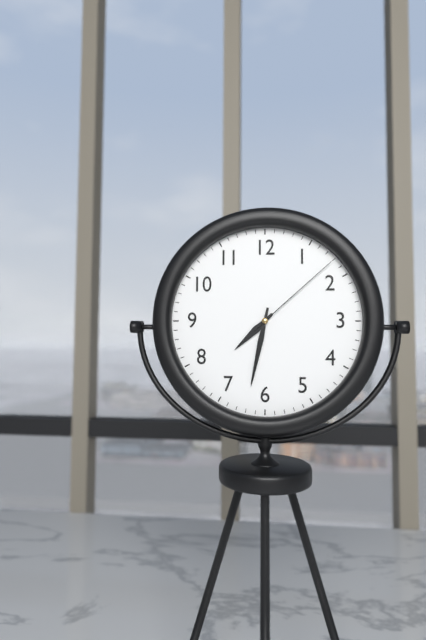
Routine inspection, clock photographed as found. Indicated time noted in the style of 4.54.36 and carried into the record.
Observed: 7.32.08
